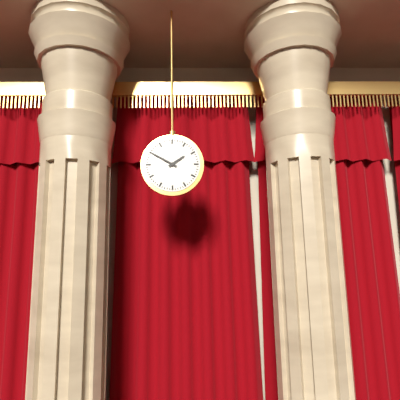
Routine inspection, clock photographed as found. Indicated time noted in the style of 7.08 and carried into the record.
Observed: 1.50
